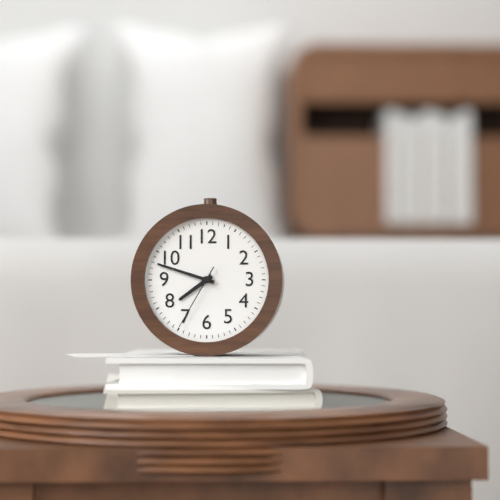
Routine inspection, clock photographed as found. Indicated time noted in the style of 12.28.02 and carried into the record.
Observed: 7.48.35
